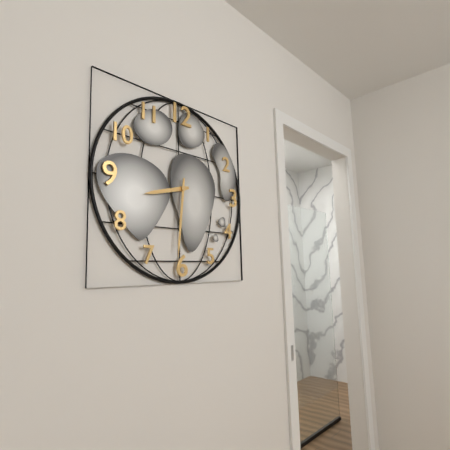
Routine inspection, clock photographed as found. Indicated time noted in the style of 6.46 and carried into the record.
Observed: 8.31
